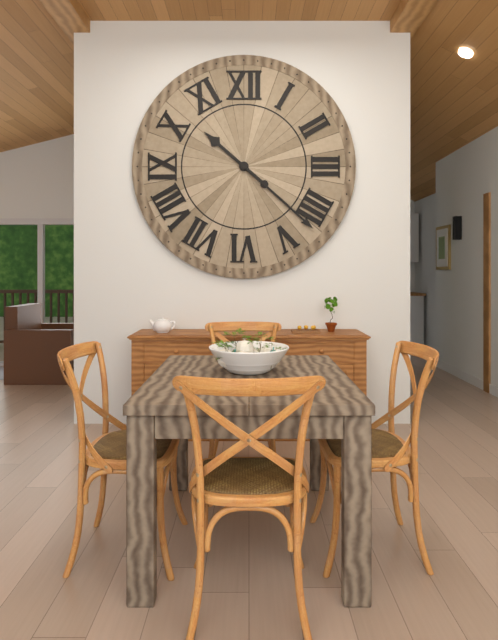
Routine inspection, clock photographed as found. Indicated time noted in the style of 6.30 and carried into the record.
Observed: 10.22
